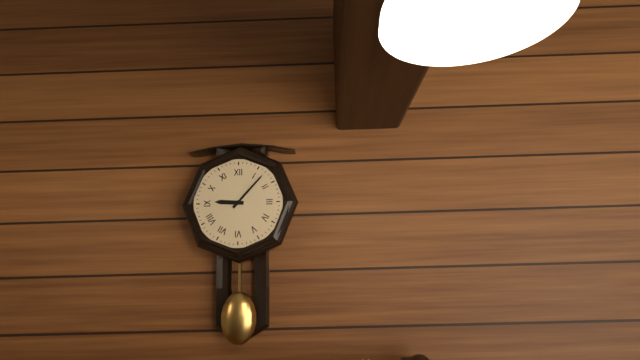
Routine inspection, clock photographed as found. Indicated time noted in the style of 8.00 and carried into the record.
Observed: 9.07
